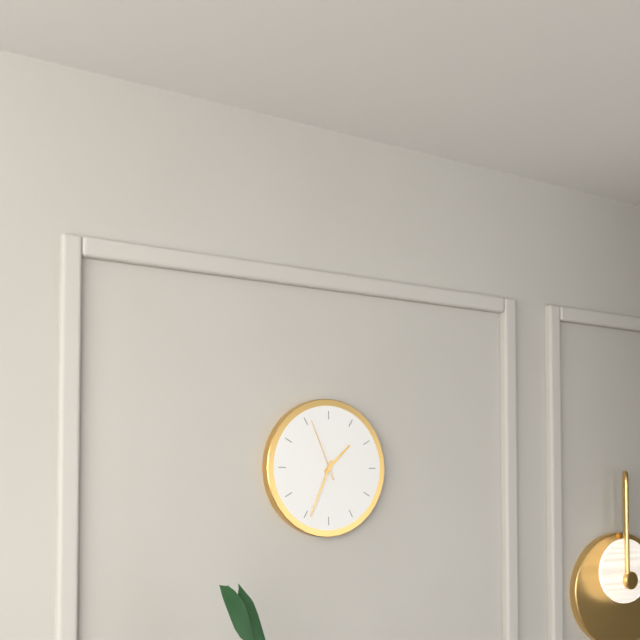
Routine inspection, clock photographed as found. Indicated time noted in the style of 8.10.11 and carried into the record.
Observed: 1.34.56
